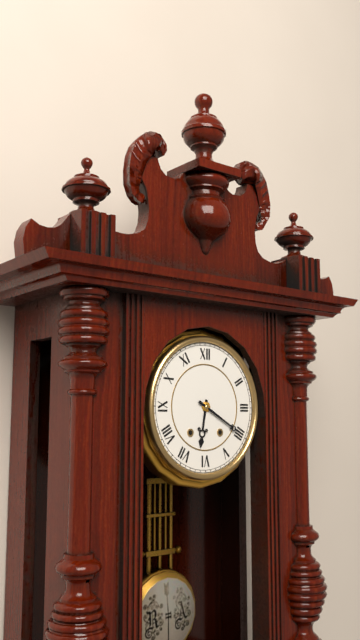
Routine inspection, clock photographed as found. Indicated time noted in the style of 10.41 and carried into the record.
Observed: 6.20
